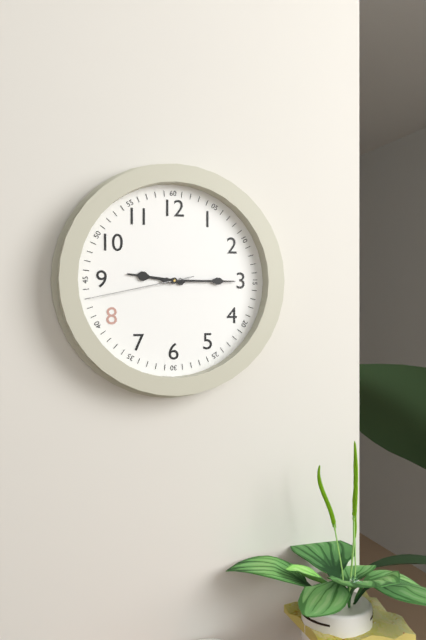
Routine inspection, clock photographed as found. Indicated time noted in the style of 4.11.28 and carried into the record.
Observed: 9.15.43
